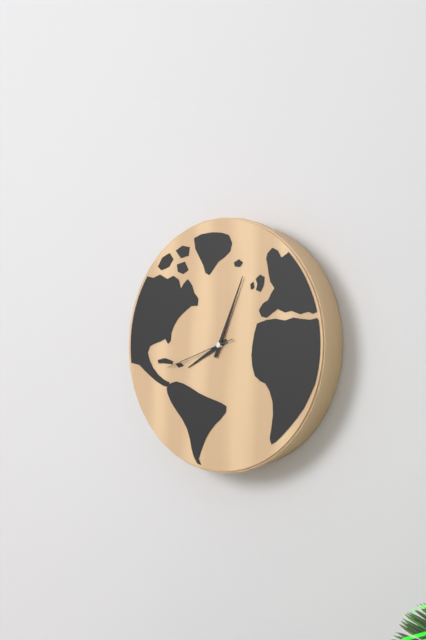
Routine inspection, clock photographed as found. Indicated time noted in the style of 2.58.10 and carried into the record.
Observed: 8.04.42
